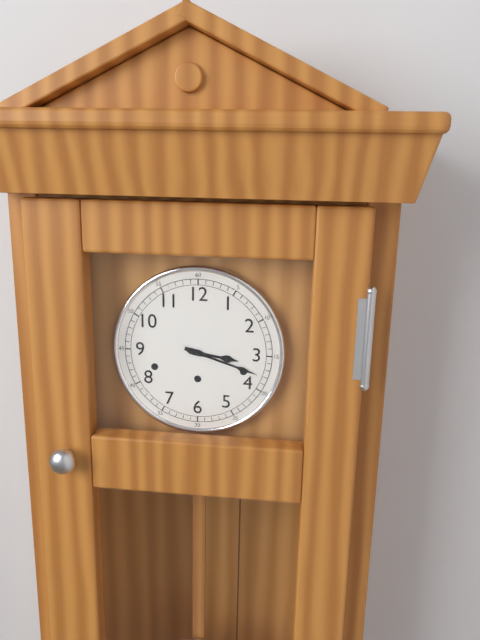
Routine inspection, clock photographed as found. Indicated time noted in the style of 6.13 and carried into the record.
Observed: 3.18
